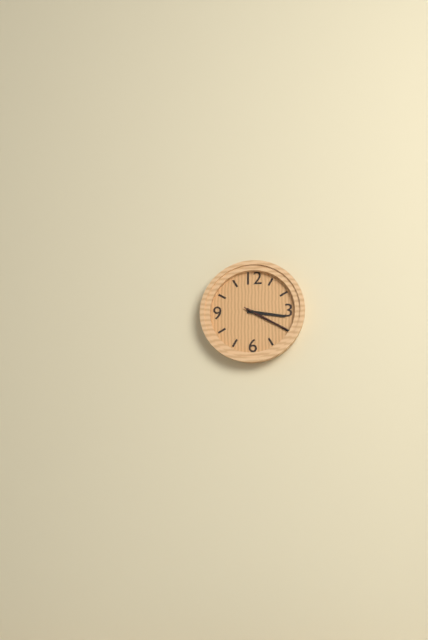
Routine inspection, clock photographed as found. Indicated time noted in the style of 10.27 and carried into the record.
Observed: 3.20
